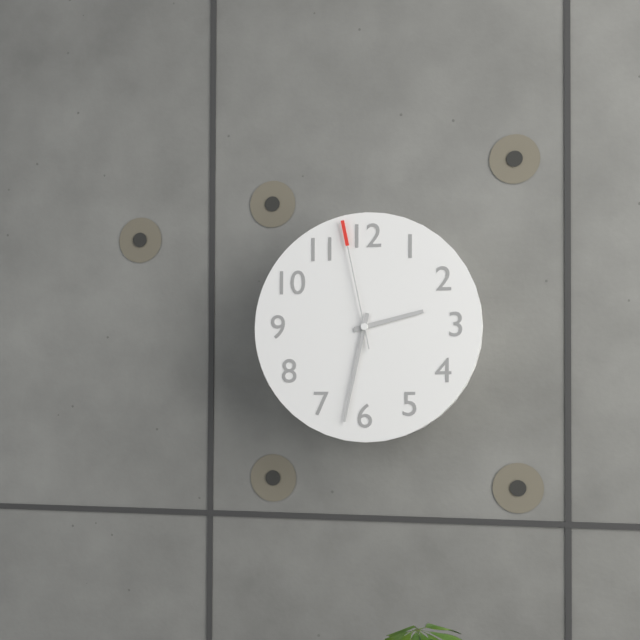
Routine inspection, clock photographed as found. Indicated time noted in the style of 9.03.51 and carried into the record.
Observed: 2.32.58
